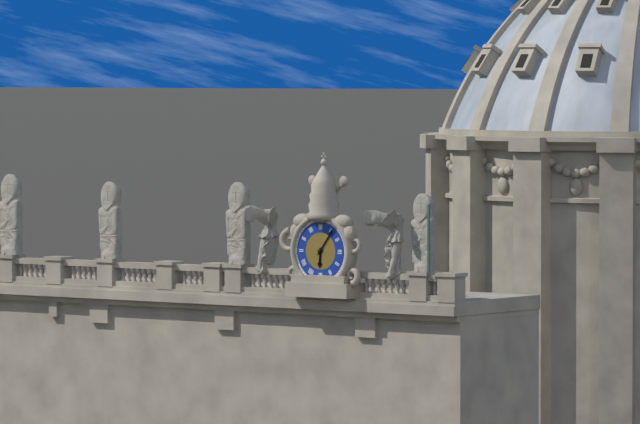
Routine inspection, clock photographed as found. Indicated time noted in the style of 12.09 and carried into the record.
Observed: 6.06
